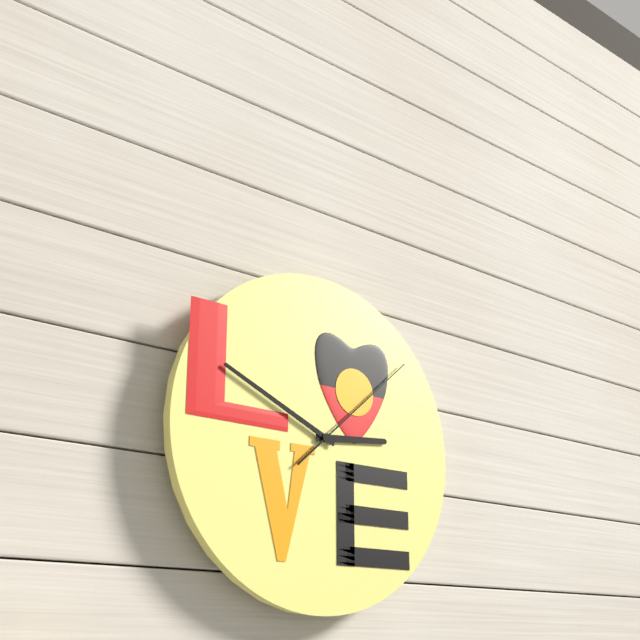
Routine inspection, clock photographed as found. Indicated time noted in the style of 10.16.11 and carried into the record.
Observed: 2.49.08
